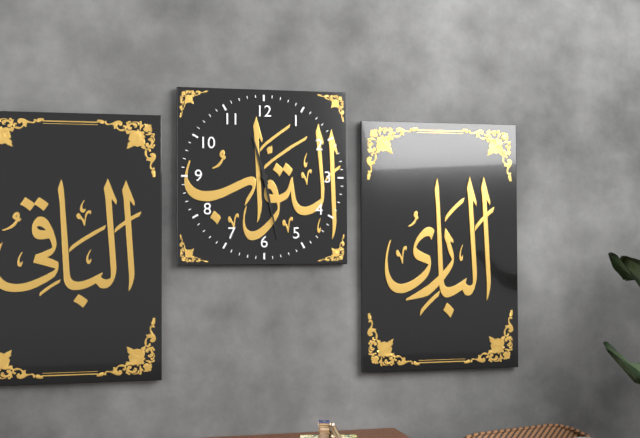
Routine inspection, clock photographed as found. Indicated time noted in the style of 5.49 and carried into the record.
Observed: 11.28
